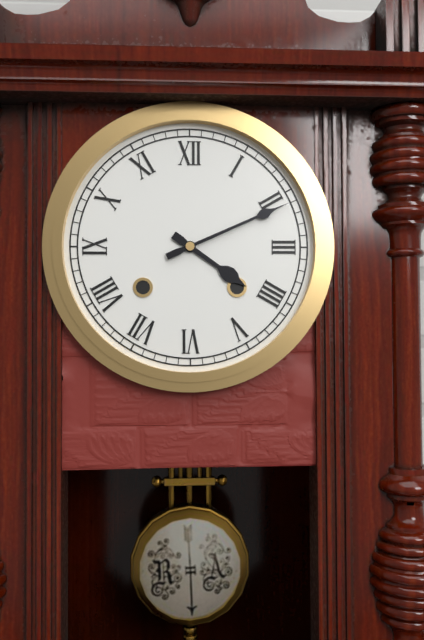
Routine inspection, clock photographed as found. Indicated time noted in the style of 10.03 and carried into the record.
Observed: 4.11
